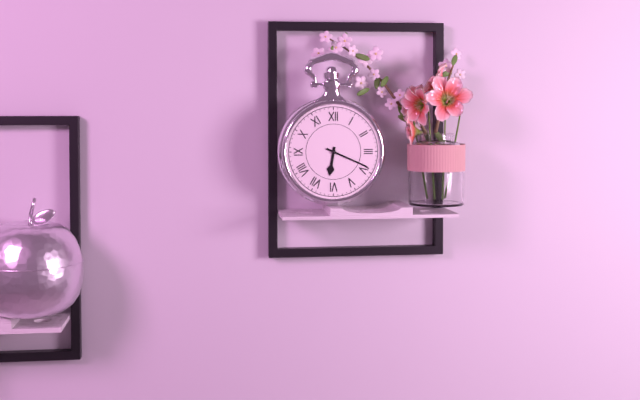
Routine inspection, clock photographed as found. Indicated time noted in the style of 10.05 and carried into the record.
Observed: 6.19
